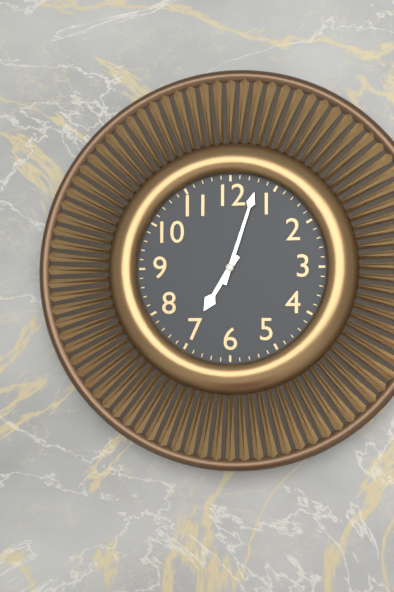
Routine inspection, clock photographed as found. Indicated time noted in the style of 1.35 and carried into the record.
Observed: 7.03
